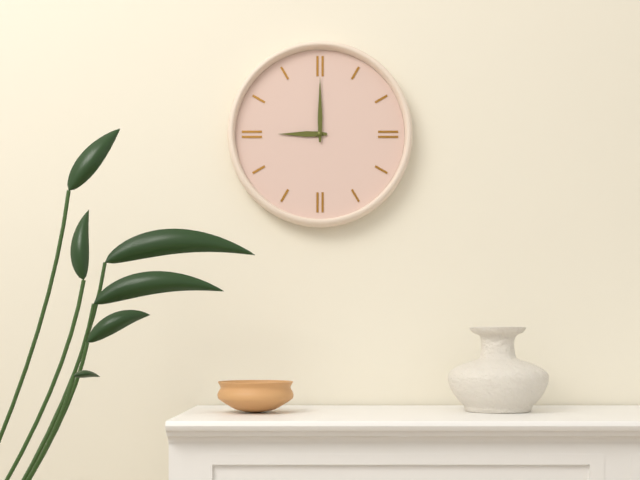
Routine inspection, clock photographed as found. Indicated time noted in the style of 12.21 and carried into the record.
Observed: 9.00
